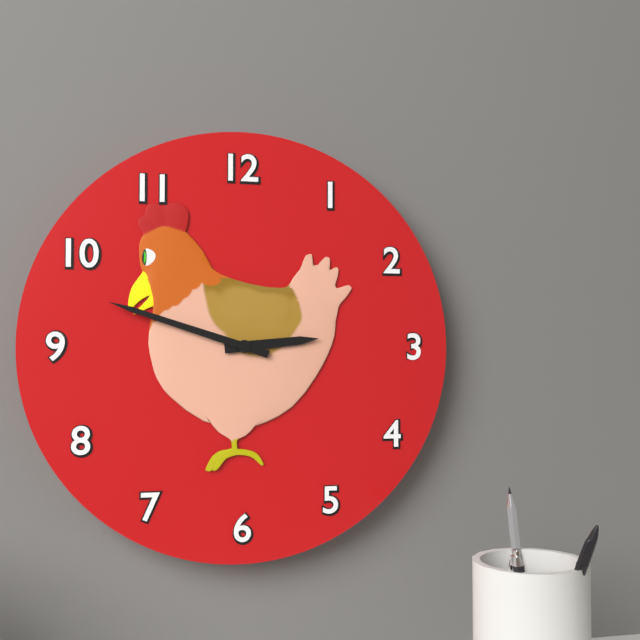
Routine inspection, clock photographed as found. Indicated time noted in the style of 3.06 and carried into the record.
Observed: 2.48
